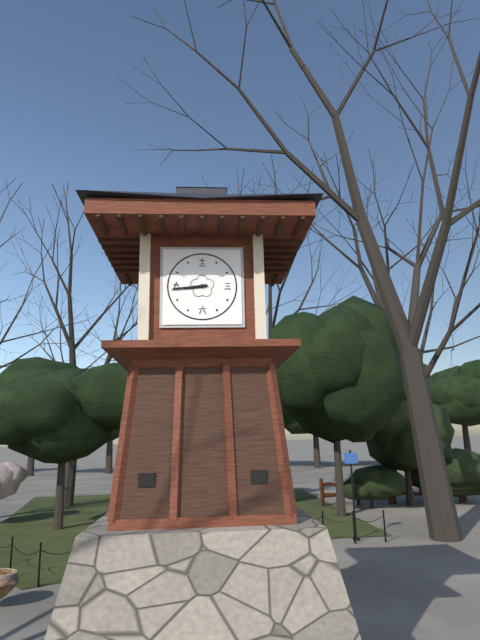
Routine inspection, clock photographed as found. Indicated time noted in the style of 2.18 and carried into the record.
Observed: 8.44
